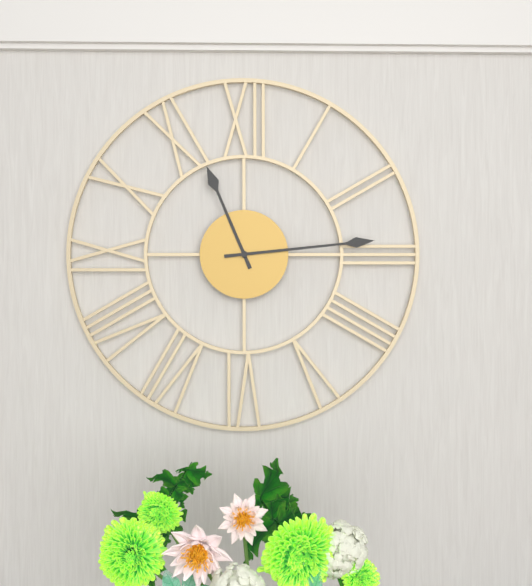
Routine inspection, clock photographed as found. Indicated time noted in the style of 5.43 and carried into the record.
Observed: 11.14
